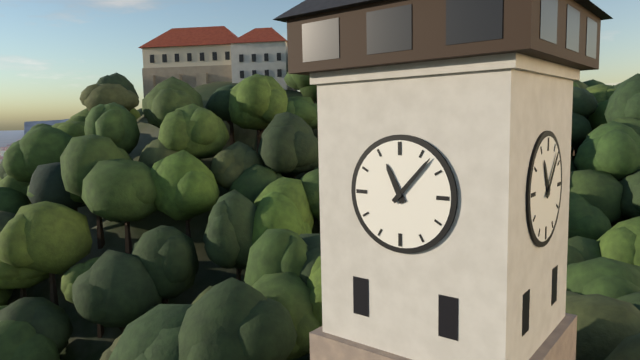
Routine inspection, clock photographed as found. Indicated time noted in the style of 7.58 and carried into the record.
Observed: 11.07
